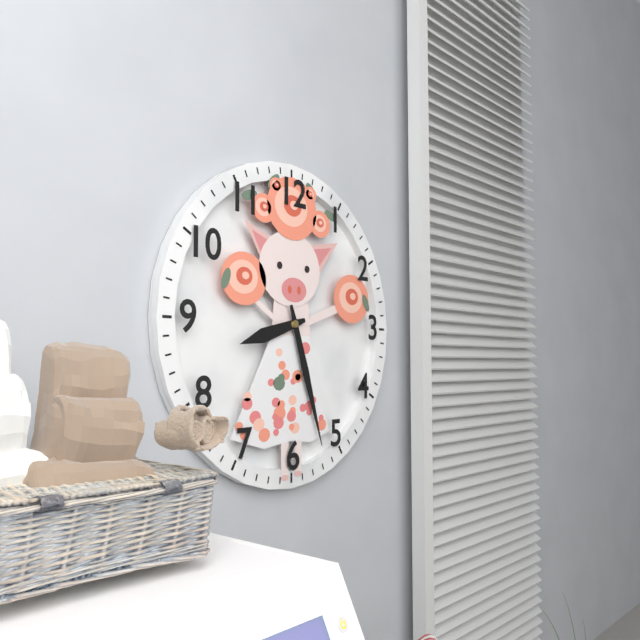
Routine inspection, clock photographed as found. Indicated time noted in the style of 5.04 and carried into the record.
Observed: 8.27
